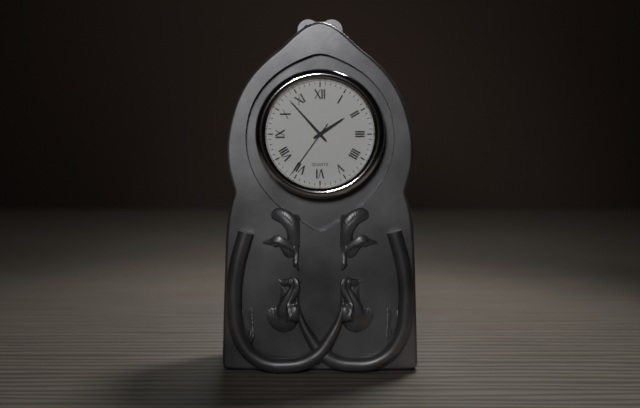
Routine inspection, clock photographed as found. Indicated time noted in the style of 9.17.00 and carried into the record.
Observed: 1.53.36
